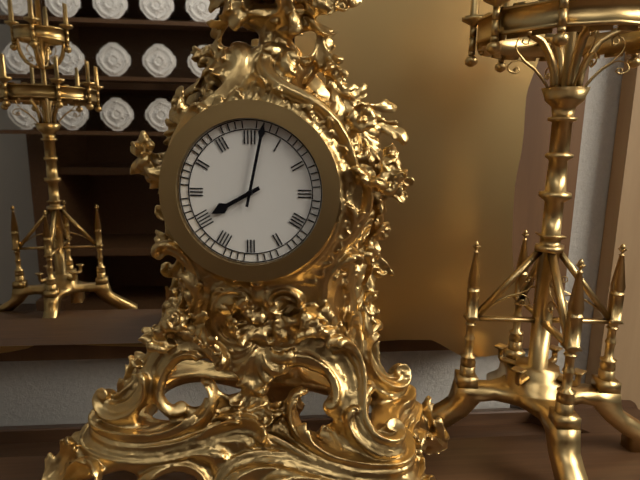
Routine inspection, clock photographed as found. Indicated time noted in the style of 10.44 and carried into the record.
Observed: 8.02
